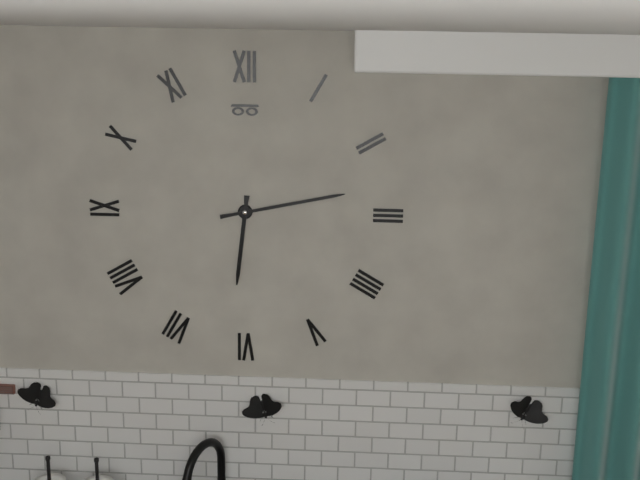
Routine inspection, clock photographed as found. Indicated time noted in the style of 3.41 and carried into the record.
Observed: 6.13
